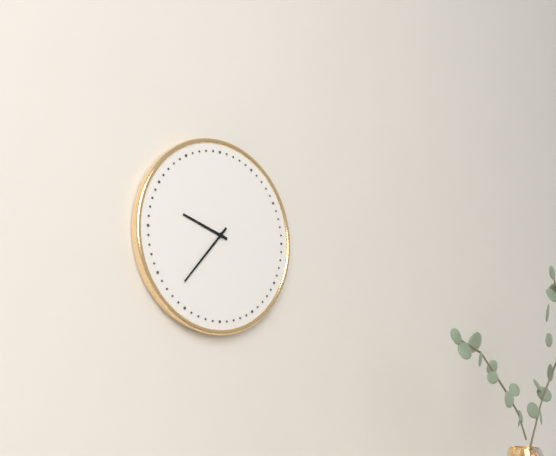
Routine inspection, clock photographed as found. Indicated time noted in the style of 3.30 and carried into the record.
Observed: 9.37
